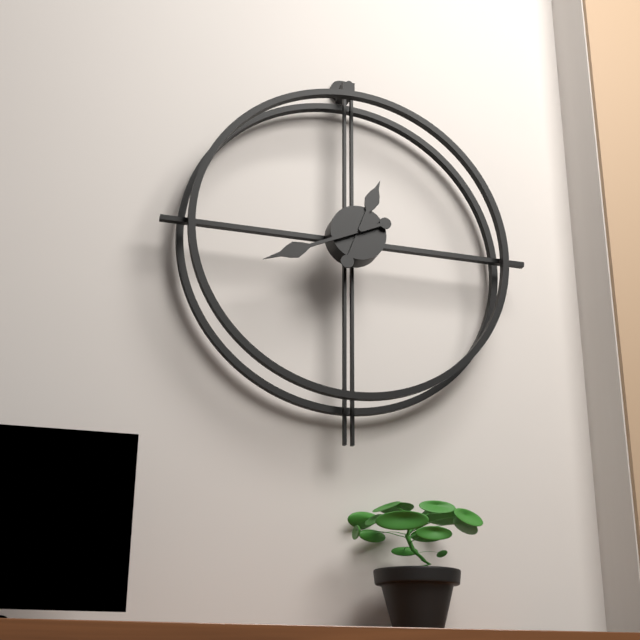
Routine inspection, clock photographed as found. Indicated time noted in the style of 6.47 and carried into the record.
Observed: 12.41
